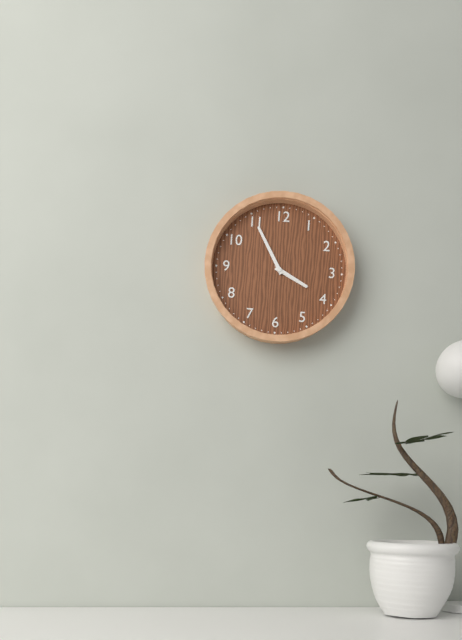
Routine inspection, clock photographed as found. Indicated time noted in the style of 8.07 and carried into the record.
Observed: 3.55
